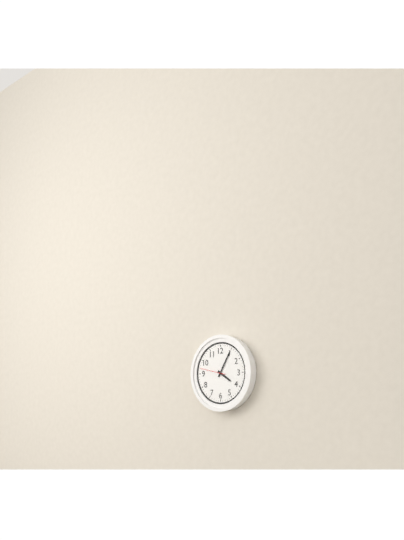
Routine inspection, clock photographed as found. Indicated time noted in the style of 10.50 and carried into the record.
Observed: 4.05
